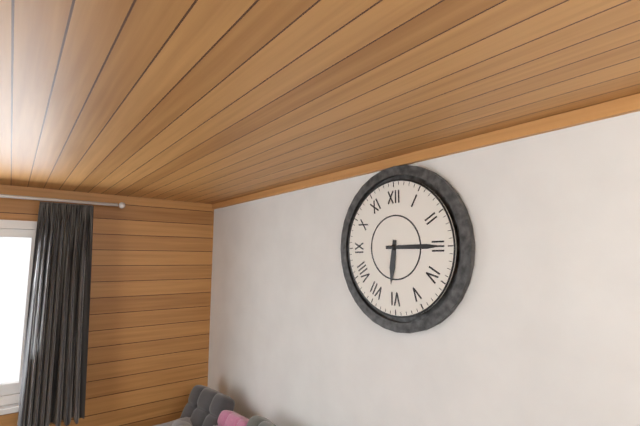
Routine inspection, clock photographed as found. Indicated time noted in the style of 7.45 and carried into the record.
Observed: 6.15
